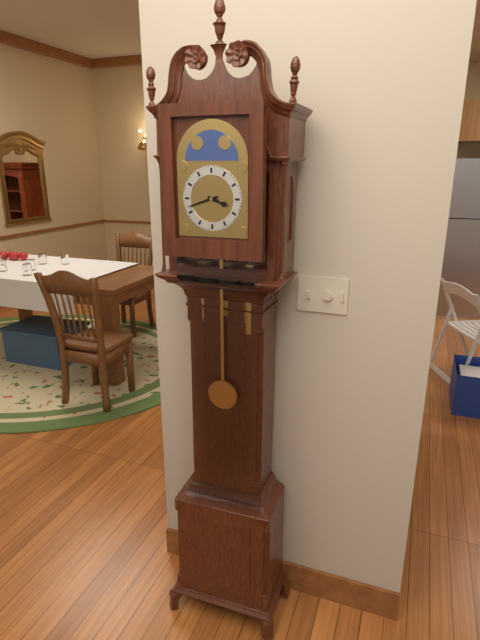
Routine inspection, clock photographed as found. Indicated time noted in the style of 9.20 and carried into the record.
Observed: 3.42
